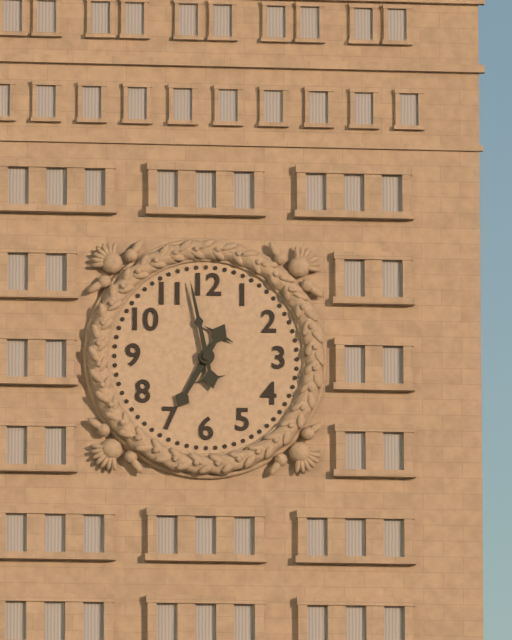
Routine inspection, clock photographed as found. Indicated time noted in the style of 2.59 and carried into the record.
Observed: 6.58
